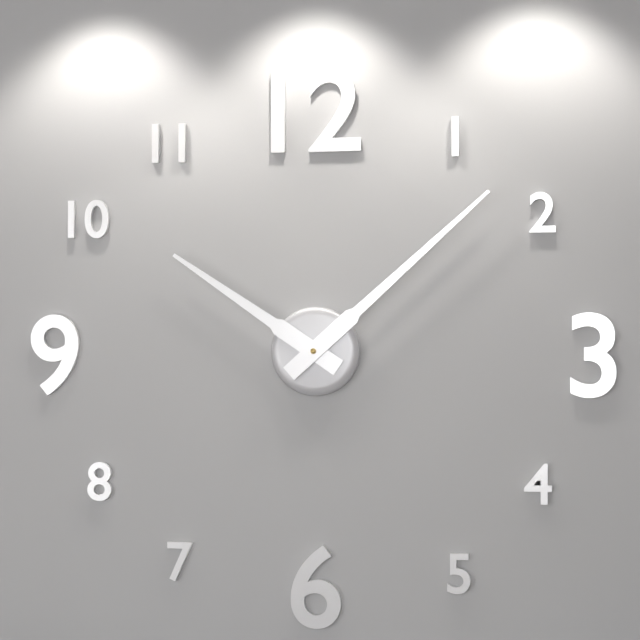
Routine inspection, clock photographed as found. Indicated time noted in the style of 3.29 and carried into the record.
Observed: 10.08
